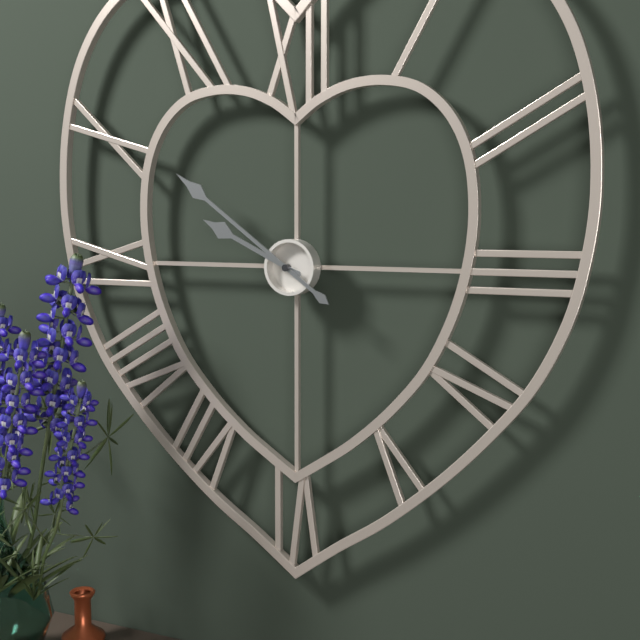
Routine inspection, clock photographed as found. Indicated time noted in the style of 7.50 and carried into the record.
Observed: 9.51
